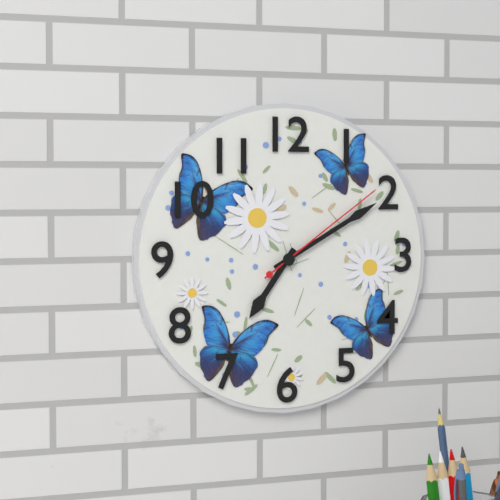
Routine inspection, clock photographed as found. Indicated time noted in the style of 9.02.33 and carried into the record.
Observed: 7.10.09
